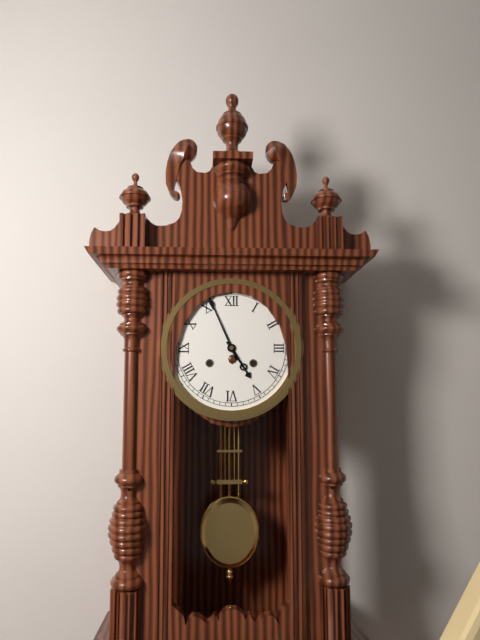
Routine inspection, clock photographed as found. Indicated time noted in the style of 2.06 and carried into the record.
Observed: 4.56
